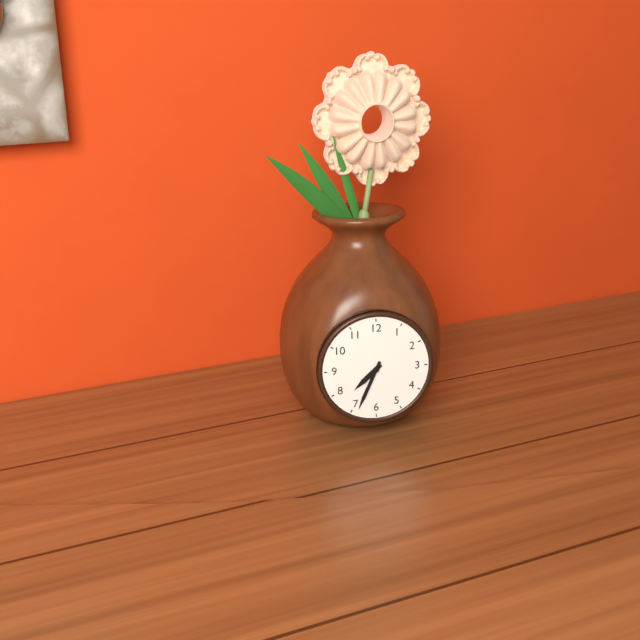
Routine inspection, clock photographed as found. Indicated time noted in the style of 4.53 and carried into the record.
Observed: 7.34
